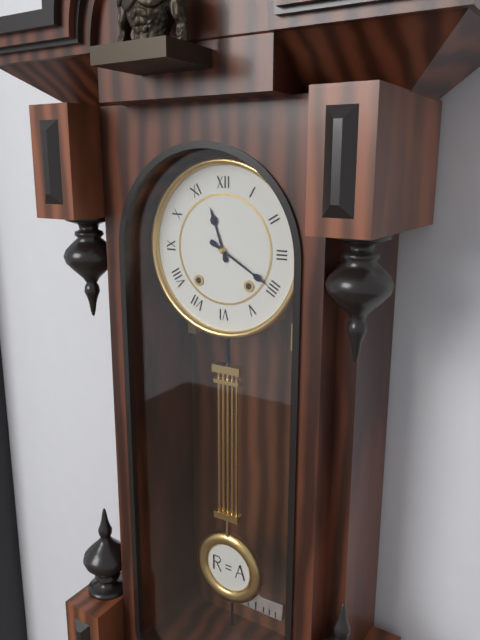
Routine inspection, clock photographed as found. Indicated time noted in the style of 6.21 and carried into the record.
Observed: 11.20
